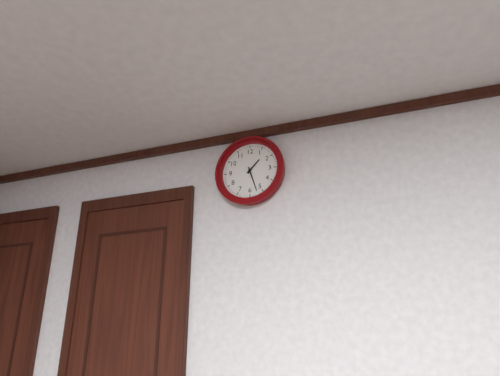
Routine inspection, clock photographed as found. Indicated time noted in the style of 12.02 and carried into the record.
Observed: 1.27
